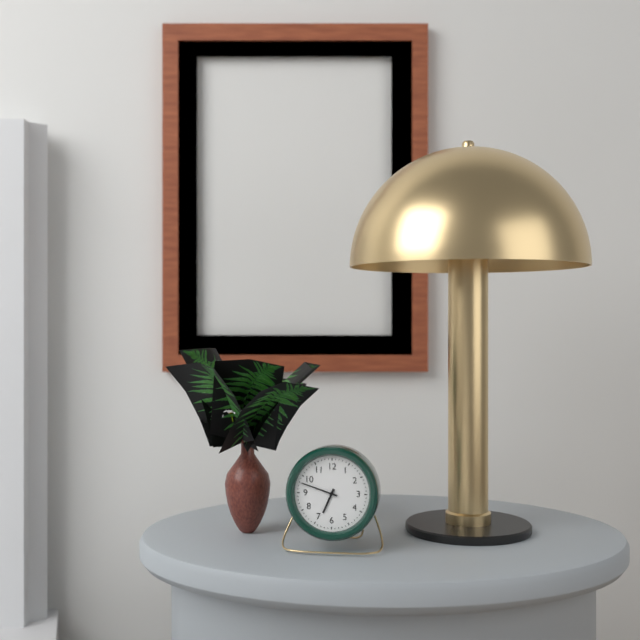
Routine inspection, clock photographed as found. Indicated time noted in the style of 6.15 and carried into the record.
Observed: 6.48
